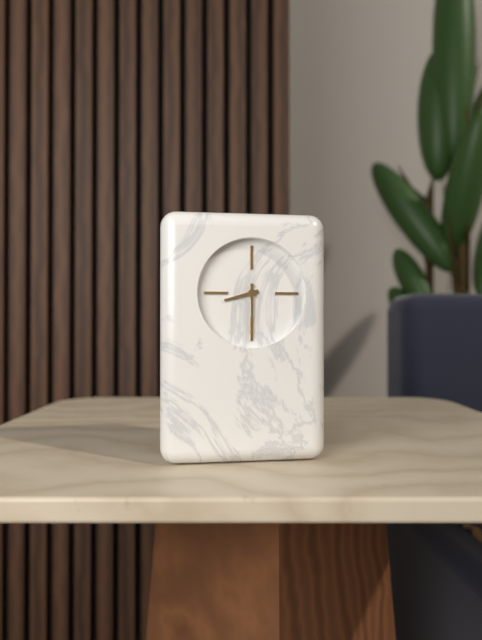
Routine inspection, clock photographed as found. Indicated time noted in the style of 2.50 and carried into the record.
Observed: 8.30
